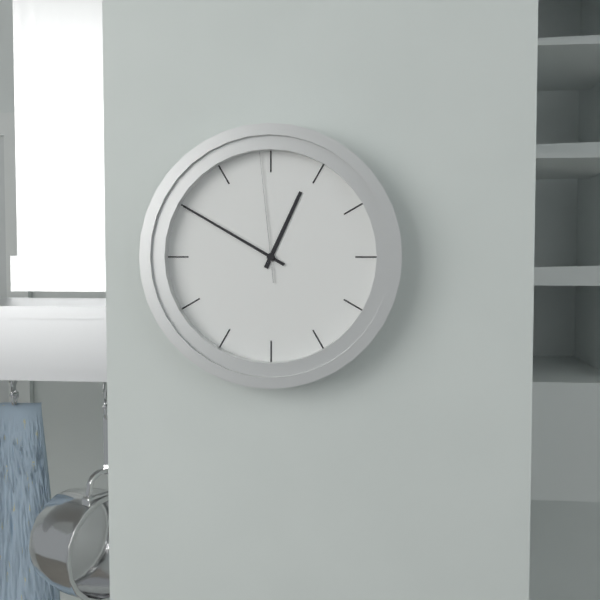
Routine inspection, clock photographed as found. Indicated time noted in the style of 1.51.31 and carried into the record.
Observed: 12.50.59
